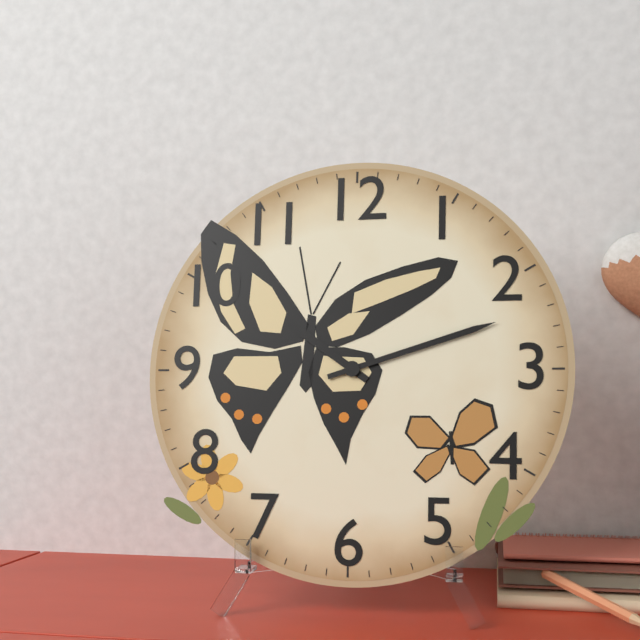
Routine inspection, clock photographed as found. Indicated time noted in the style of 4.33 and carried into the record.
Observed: 10.12
